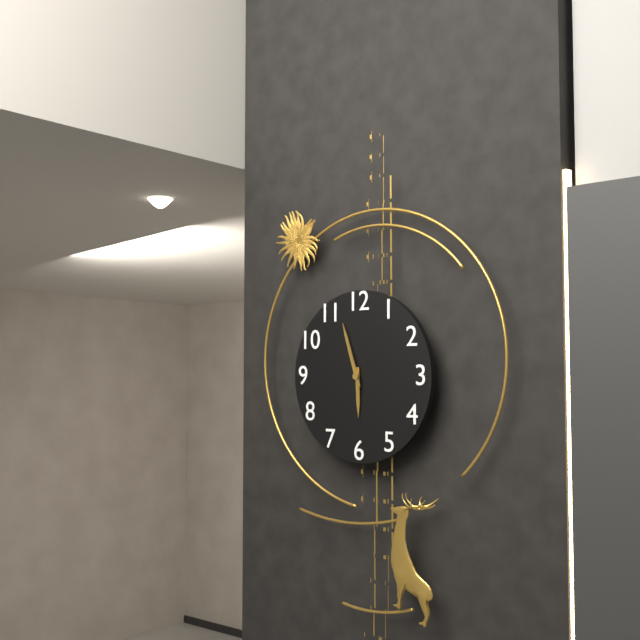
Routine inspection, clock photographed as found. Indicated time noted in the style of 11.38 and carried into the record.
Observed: 5.57
